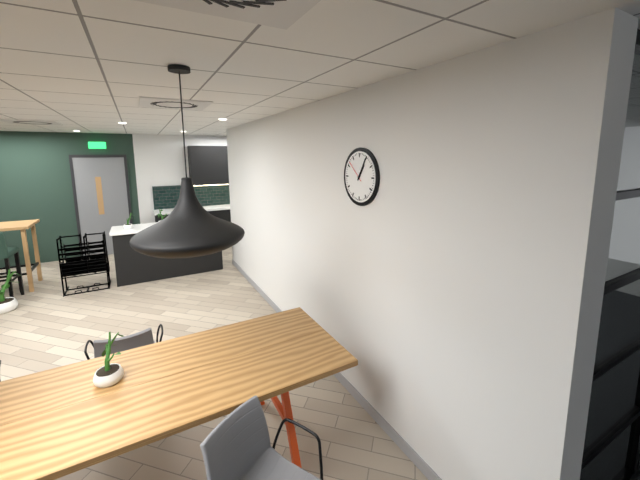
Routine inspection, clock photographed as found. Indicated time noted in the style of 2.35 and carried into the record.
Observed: 1.05
